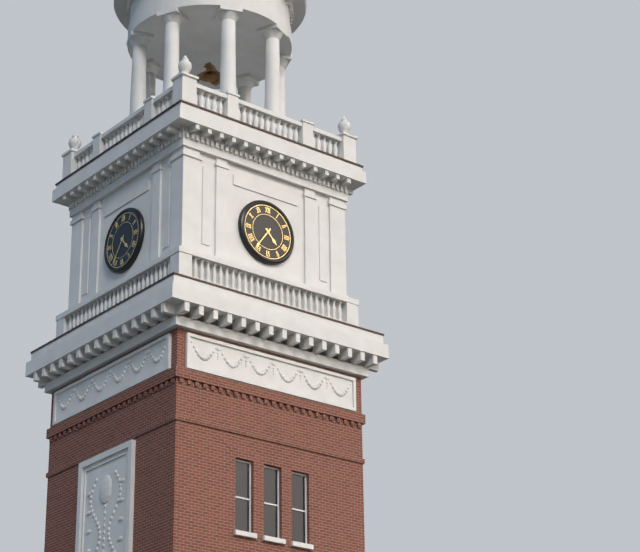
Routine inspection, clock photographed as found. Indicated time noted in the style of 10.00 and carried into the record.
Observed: 4.36
